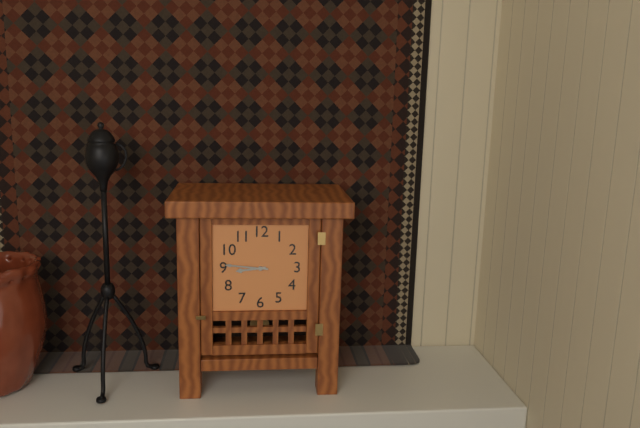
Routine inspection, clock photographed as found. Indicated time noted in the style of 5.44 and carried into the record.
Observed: 8.46
